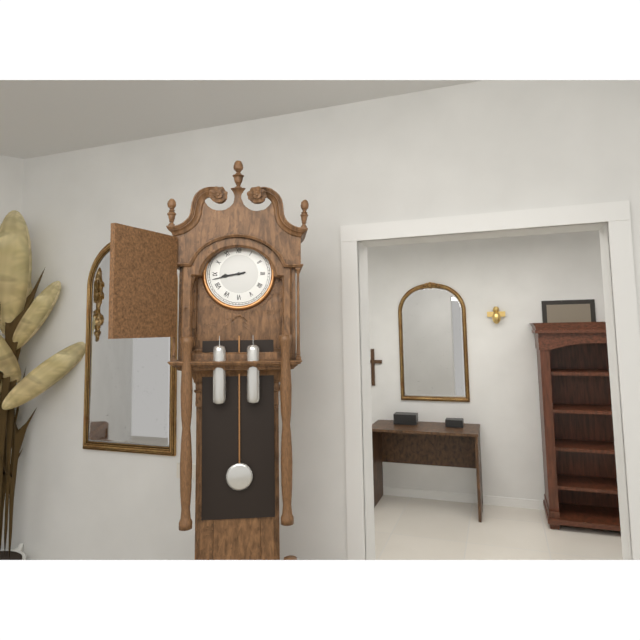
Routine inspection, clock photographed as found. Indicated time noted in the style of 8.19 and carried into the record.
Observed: 8.43
